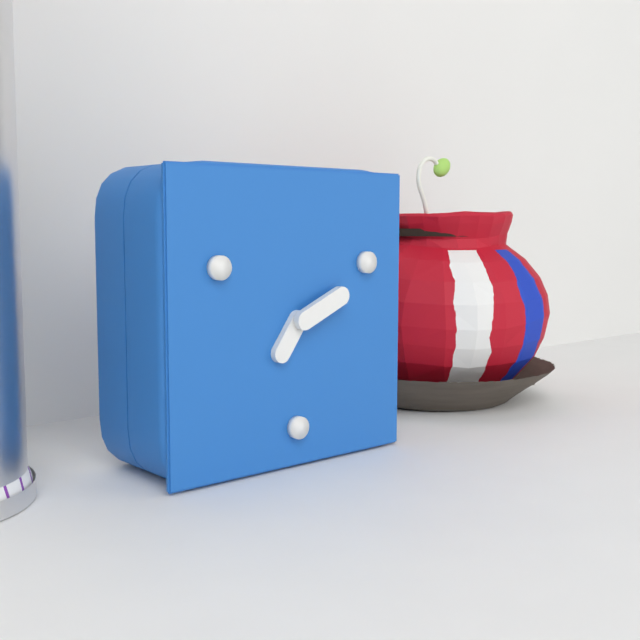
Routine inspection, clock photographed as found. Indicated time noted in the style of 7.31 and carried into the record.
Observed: 7.11
